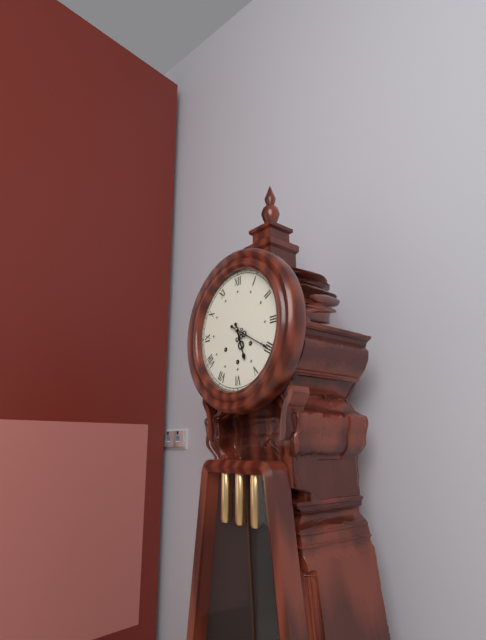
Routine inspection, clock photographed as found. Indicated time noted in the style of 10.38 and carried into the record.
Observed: 5.20
